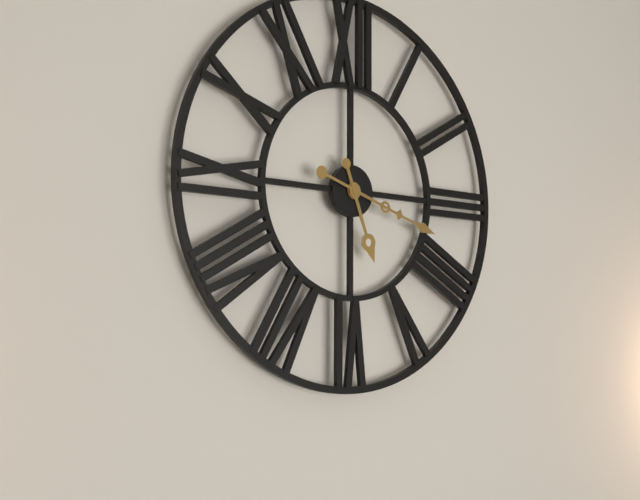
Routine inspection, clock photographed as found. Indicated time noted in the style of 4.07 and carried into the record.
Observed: 5.18
